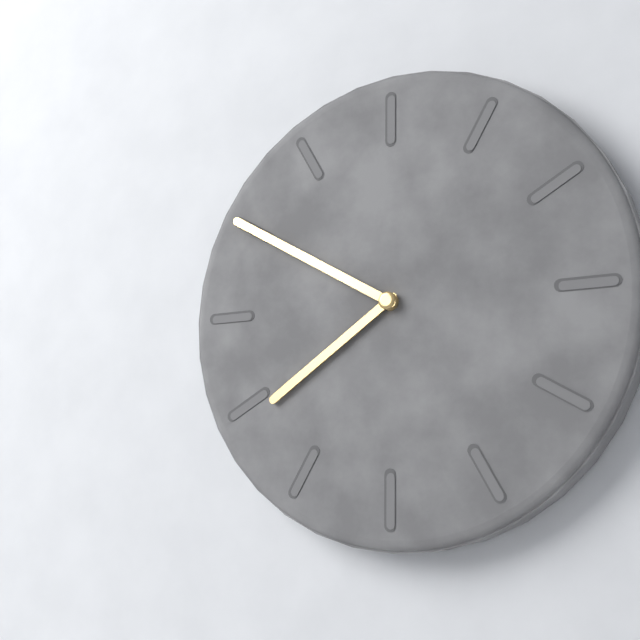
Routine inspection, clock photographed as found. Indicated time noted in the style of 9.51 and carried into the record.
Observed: 7.50
